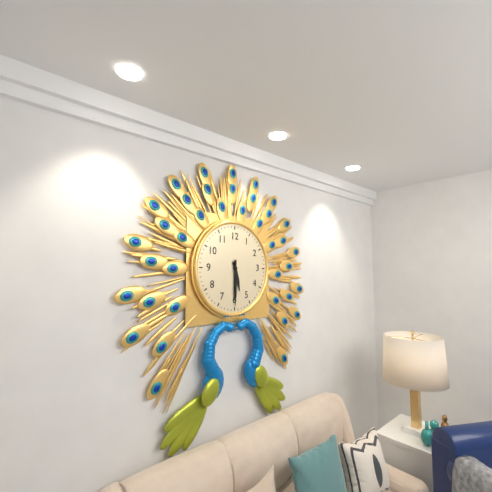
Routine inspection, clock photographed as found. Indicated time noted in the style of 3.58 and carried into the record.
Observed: 5.30
